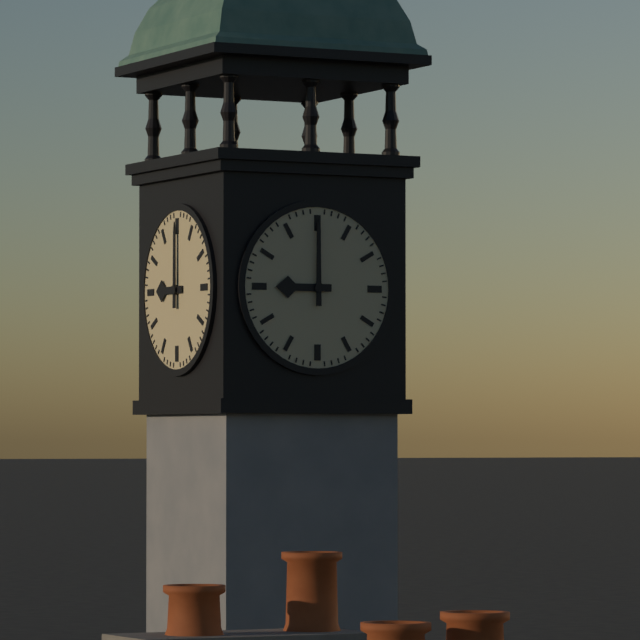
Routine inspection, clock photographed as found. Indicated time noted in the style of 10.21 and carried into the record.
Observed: 9.00
